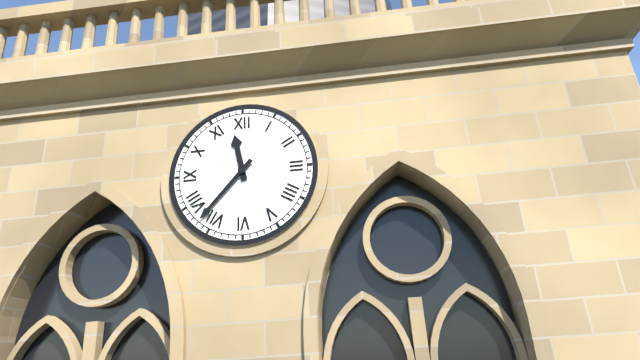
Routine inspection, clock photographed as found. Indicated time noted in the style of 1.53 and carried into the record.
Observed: 11.37
